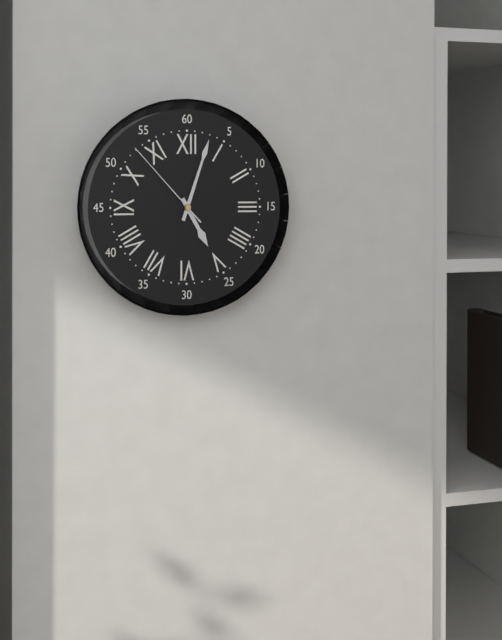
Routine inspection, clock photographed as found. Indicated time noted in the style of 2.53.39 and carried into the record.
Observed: 5.03.53
